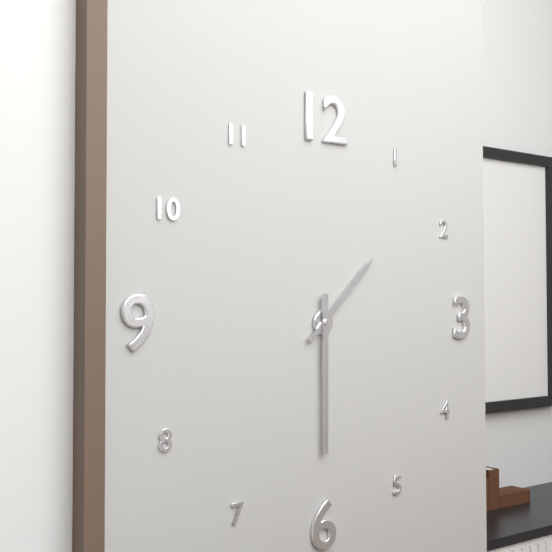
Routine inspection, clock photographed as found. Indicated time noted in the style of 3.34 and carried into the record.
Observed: 1.30
